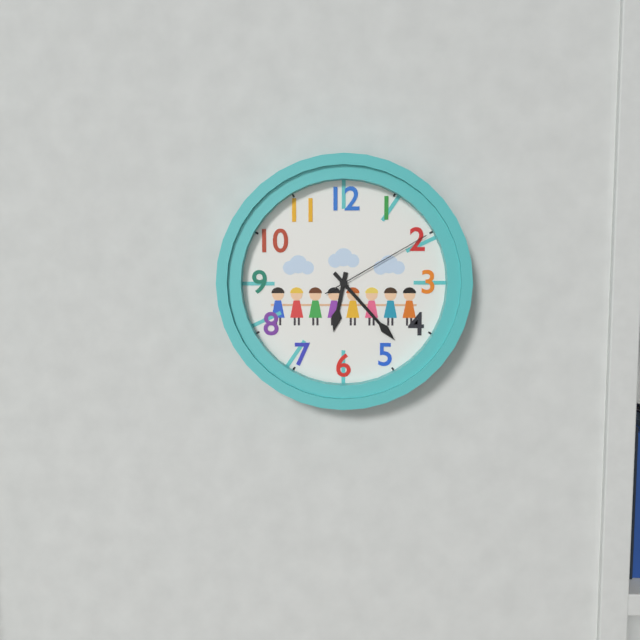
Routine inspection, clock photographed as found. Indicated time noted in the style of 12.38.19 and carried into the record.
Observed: 6.23.10
